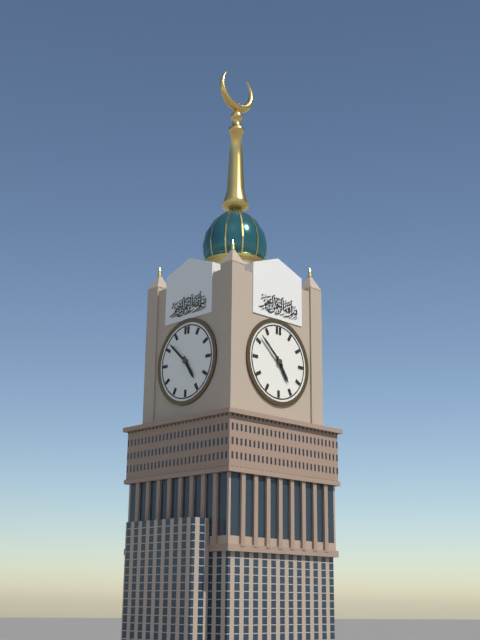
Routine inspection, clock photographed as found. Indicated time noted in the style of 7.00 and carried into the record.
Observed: 4.52
